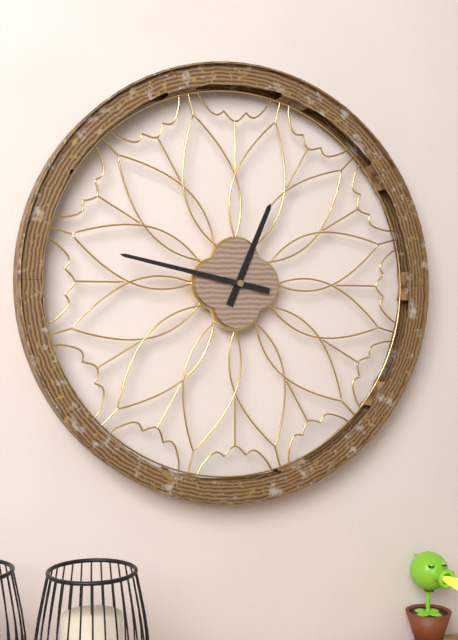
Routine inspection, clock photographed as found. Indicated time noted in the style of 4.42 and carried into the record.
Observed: 12.47
